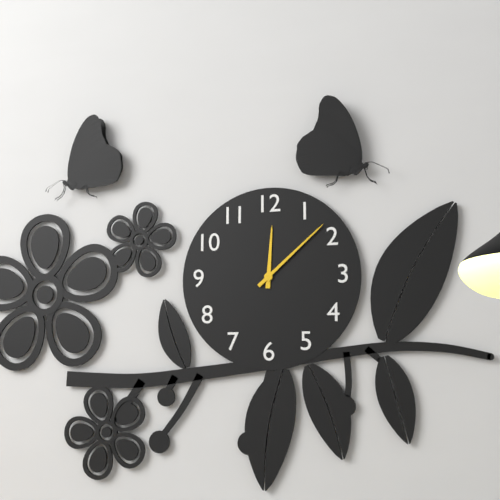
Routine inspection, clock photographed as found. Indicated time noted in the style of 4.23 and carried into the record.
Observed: 12.08
